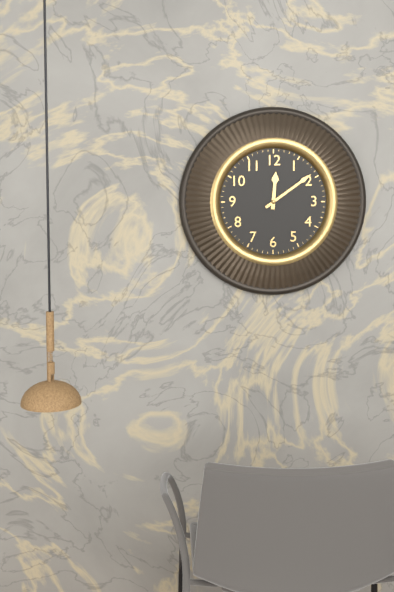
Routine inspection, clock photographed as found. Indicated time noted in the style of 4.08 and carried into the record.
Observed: 12.09
